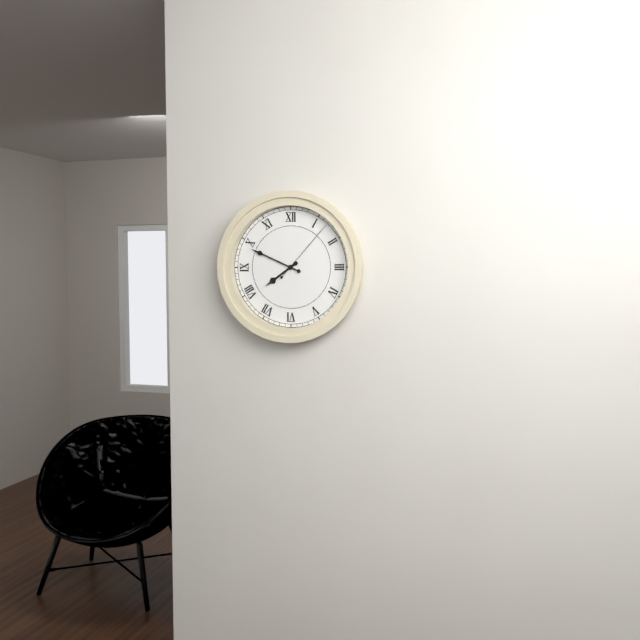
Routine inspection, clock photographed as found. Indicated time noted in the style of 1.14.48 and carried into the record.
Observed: 7.49.07
